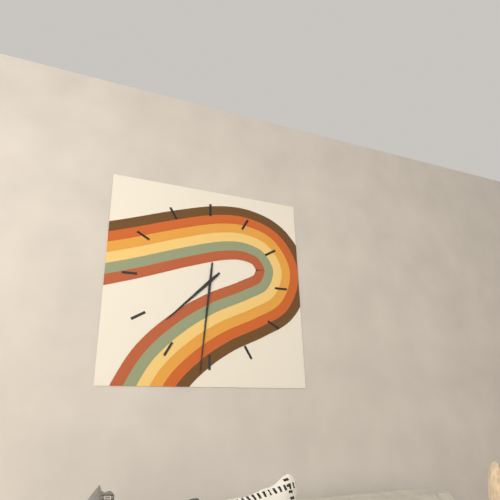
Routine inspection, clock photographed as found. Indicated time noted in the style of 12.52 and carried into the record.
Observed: 7.31
